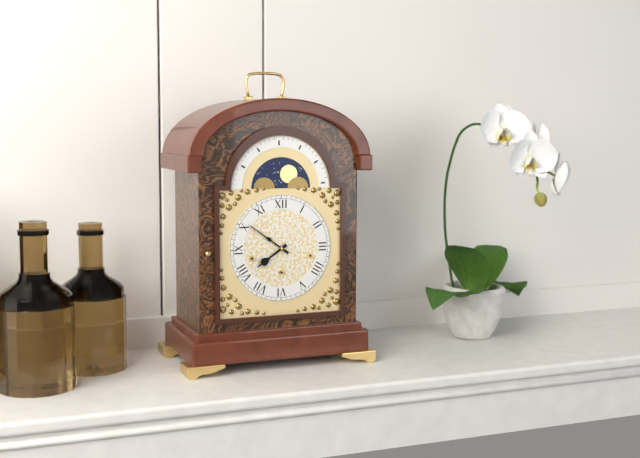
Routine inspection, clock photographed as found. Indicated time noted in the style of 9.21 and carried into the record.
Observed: 7.51
